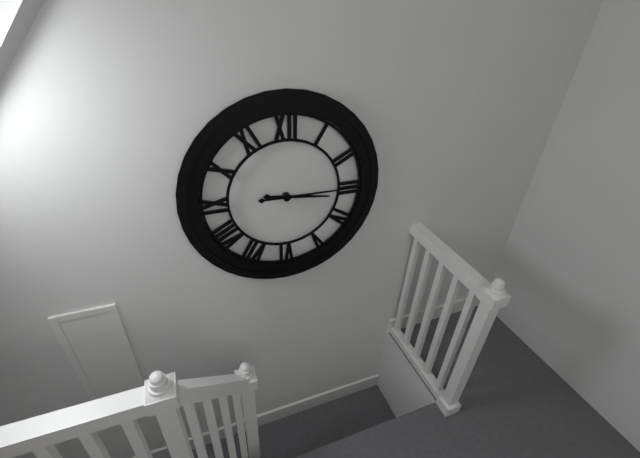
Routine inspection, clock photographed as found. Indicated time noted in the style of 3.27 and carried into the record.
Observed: 3.15
